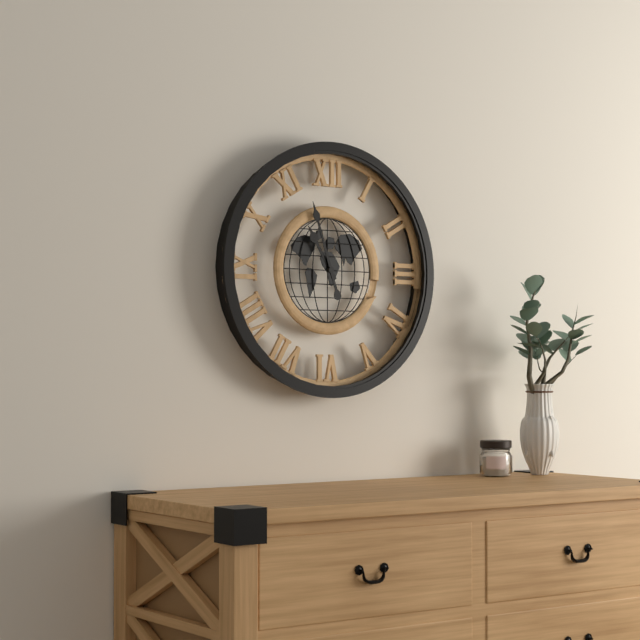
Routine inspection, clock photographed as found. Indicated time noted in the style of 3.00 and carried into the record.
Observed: 10.57
